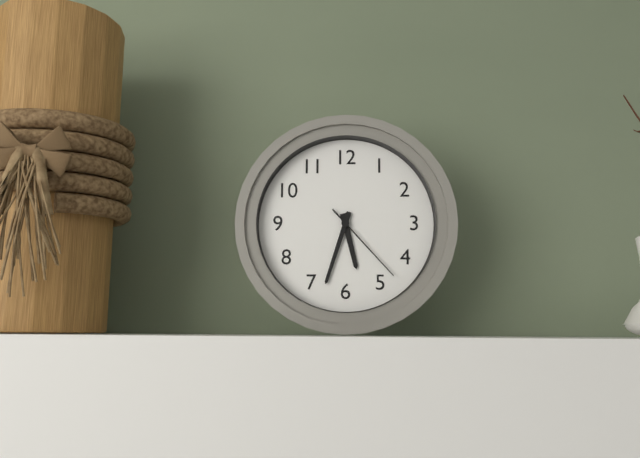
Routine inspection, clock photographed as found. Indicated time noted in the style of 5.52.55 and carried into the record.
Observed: 5.33.23
